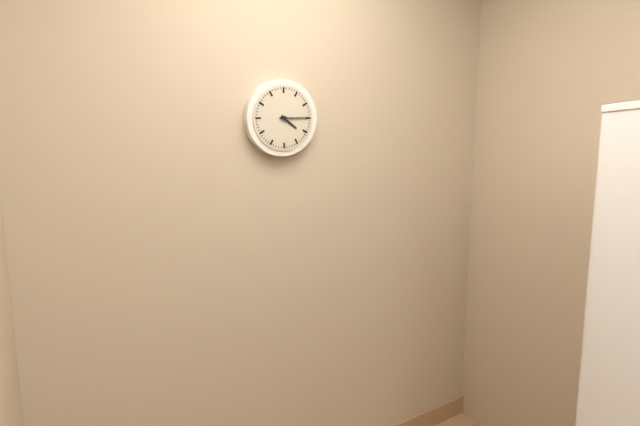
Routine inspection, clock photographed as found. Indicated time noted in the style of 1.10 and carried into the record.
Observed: 4.15
